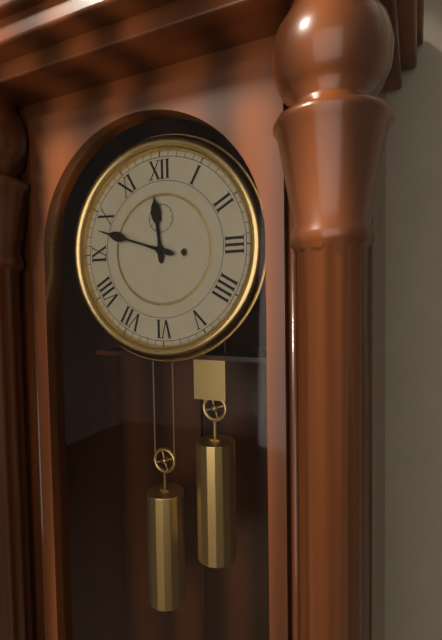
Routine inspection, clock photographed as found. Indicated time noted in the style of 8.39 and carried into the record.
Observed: 11.48
